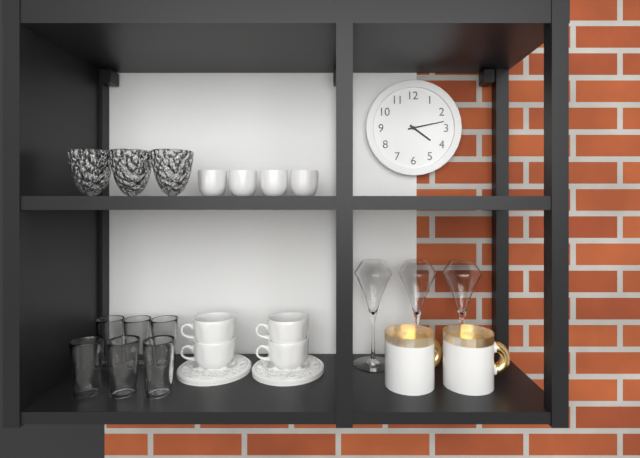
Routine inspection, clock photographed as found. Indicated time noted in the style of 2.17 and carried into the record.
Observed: 4.13
